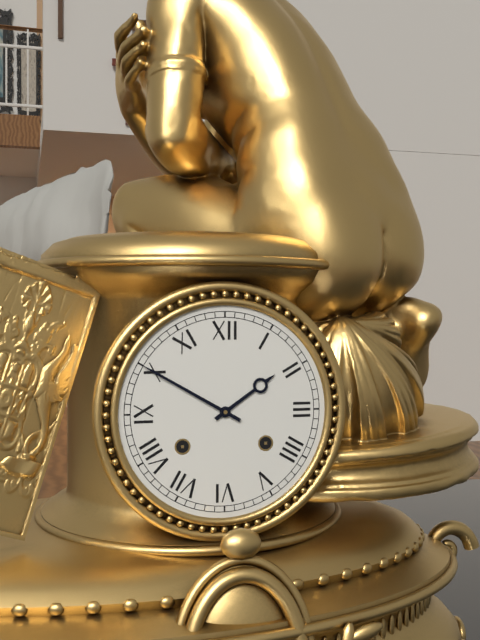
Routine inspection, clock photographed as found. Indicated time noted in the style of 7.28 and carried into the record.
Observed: 1.50
